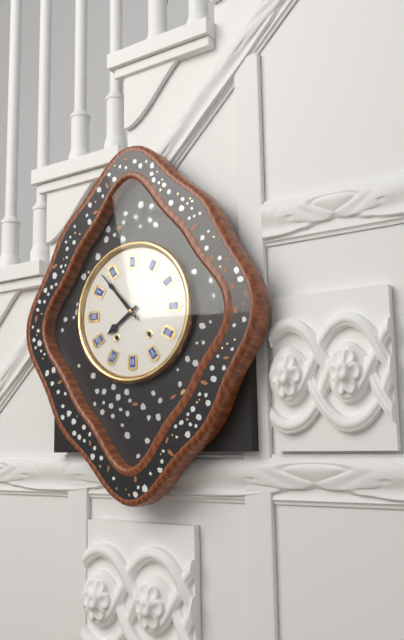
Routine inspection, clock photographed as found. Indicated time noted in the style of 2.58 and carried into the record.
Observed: 7.53
